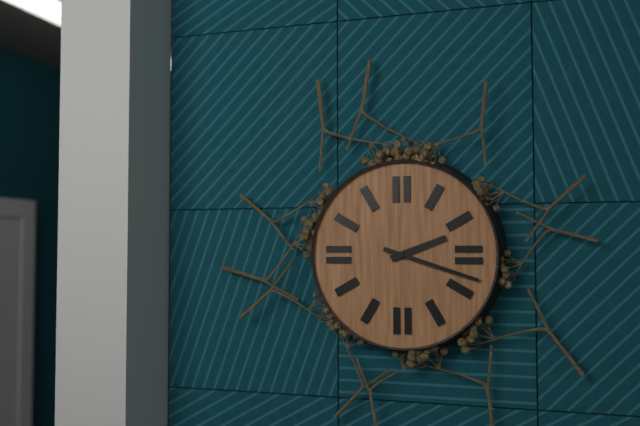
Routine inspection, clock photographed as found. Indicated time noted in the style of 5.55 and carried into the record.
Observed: 2.18
